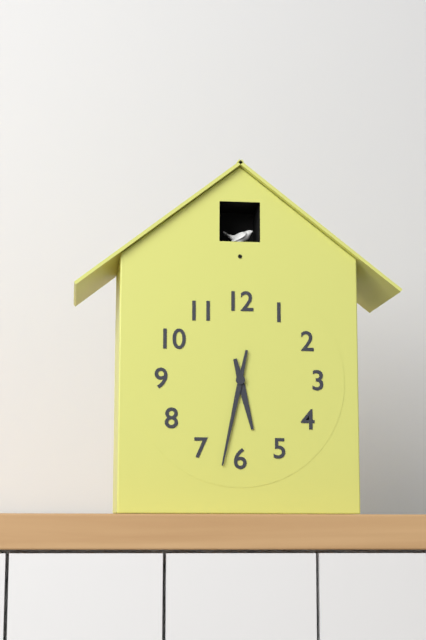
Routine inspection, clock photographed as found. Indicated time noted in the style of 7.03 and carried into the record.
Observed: 5.32
